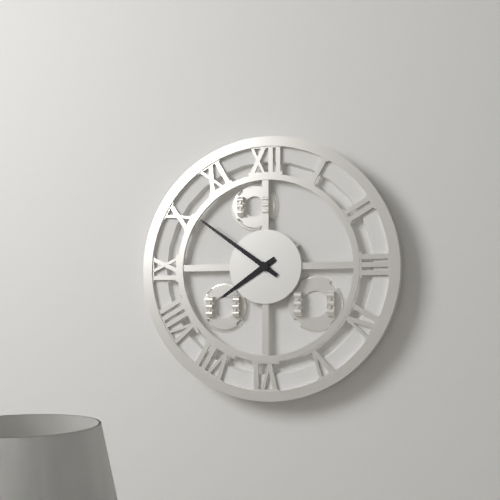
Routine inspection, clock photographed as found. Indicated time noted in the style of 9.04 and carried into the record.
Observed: 7.51
